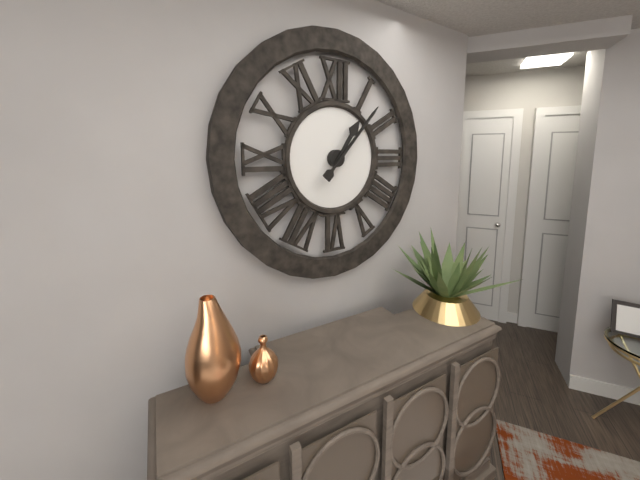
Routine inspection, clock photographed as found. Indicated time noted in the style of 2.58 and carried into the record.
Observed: 1.07
